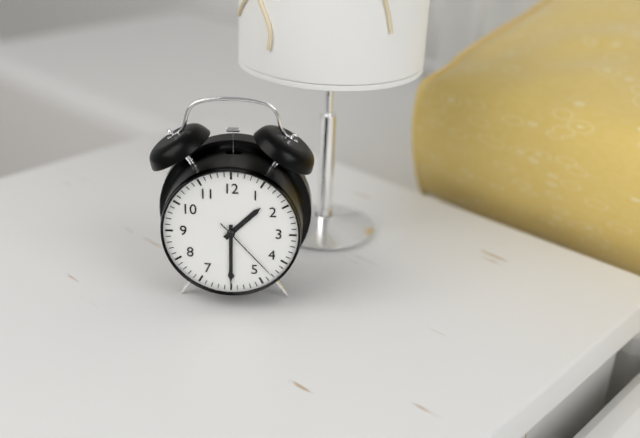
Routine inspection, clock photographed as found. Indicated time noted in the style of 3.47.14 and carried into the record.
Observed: 1.30.23
